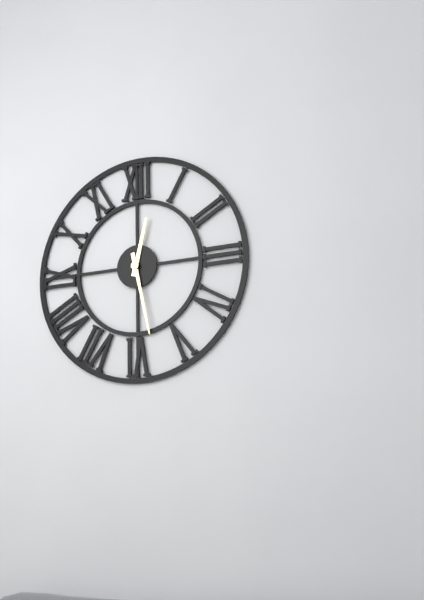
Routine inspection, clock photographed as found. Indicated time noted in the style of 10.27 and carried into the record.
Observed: 12.28
